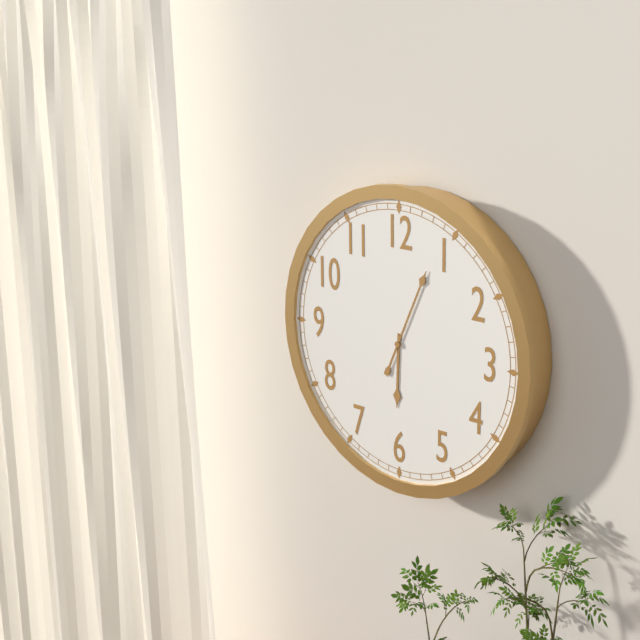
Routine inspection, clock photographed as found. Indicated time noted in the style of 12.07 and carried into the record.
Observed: 6.04
